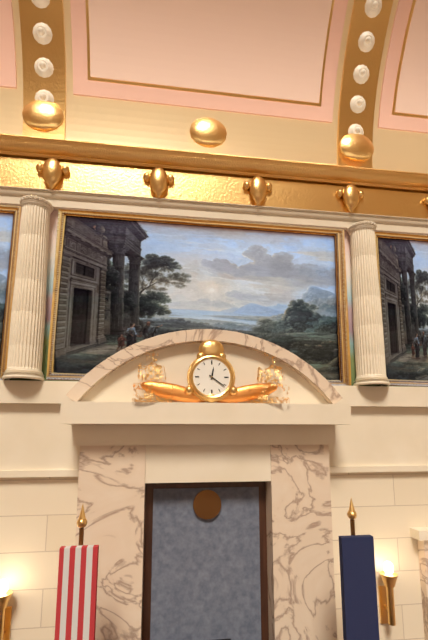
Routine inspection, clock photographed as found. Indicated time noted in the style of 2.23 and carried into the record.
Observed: 12.21
